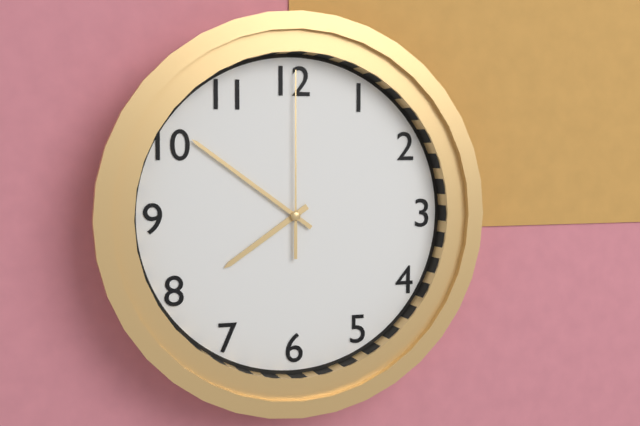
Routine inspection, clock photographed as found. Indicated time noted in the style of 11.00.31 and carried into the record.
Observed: 7.51.00
